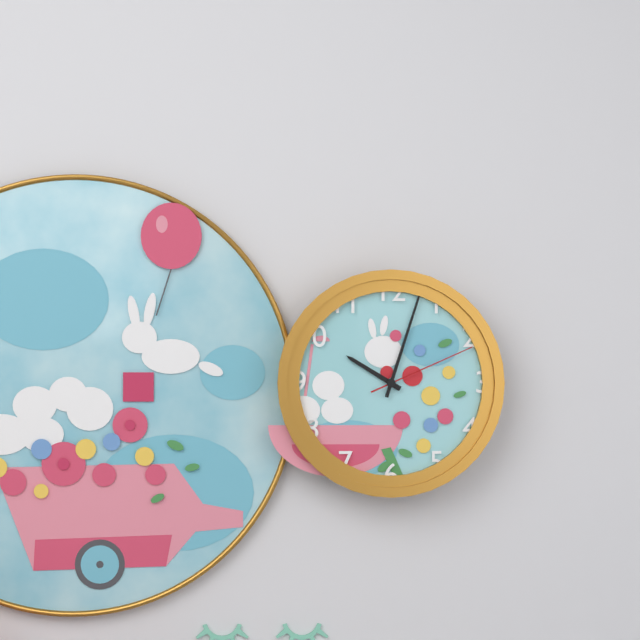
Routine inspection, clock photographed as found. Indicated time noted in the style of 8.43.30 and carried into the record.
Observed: 10.03.11
